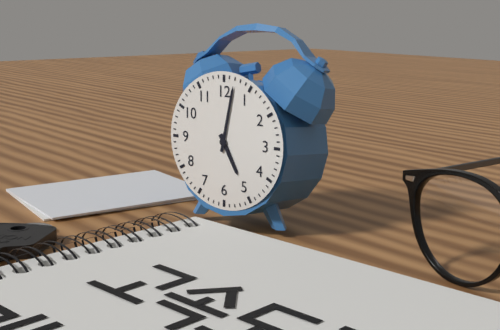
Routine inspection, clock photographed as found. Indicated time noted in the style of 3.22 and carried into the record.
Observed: 5.02
